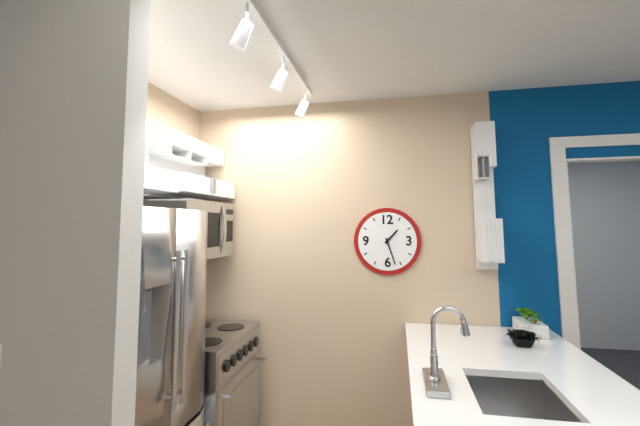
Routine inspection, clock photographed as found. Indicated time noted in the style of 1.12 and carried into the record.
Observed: 1.27
